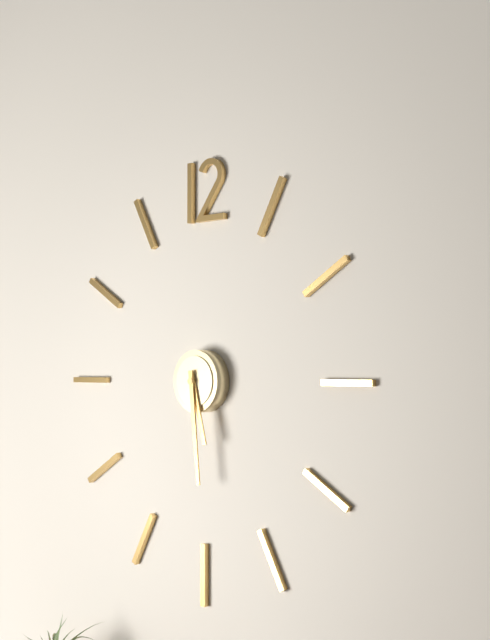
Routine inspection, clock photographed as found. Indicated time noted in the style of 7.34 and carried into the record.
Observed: 5.29
